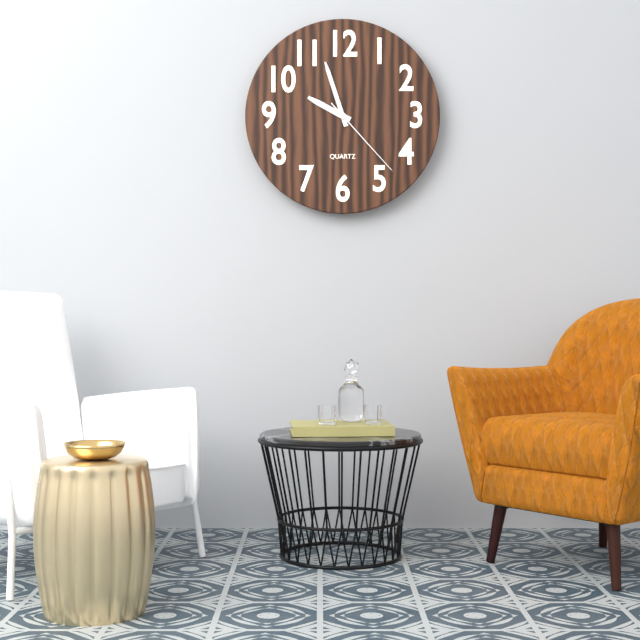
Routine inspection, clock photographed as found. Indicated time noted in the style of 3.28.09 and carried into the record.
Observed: 9.57.23
